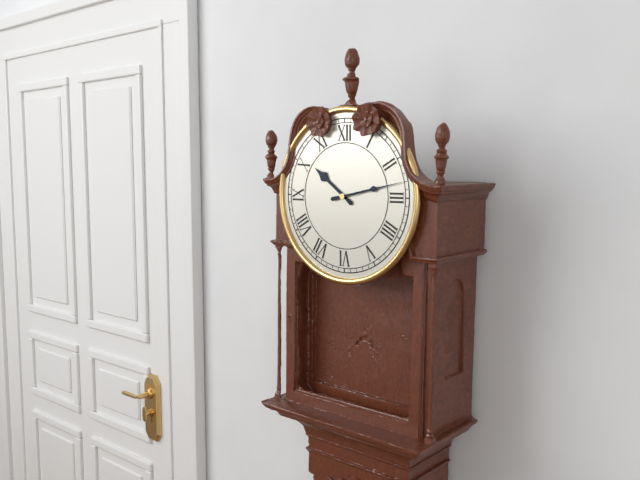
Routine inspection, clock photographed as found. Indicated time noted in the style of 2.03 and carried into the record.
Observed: 10.13
